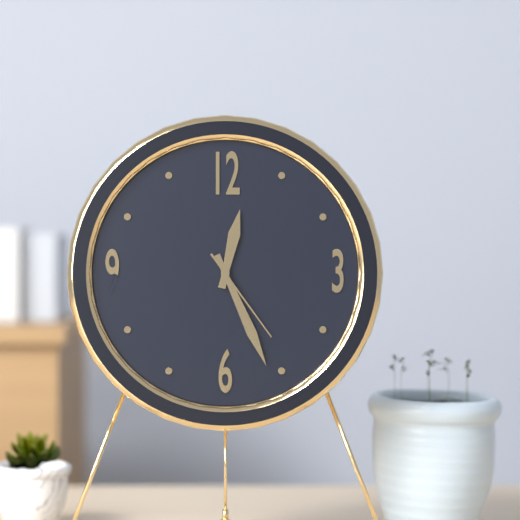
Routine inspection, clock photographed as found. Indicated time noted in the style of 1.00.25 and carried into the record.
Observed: 12.26.24
